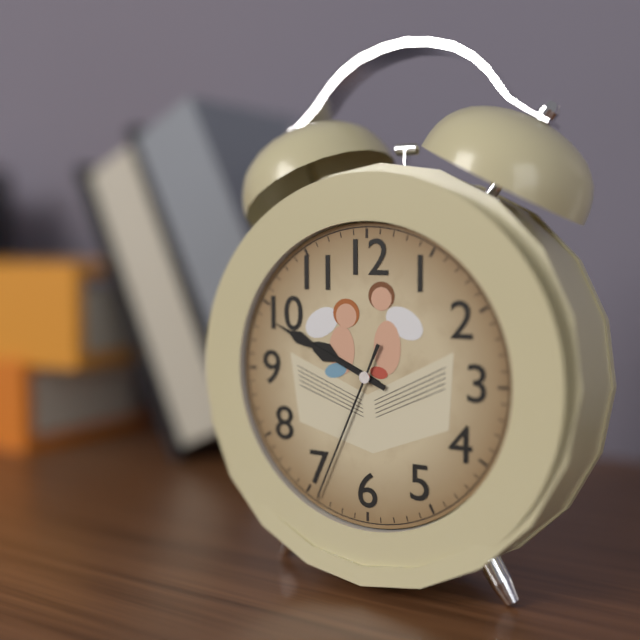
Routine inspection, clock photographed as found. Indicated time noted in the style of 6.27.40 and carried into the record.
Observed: 9.49.34
